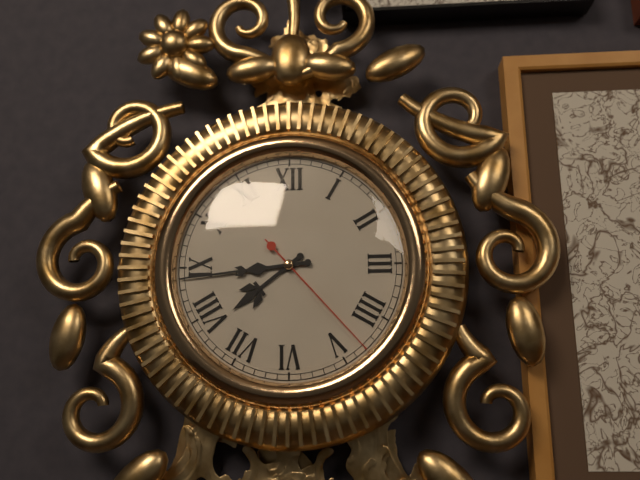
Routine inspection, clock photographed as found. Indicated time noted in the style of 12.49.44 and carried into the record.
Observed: 7.44.23
